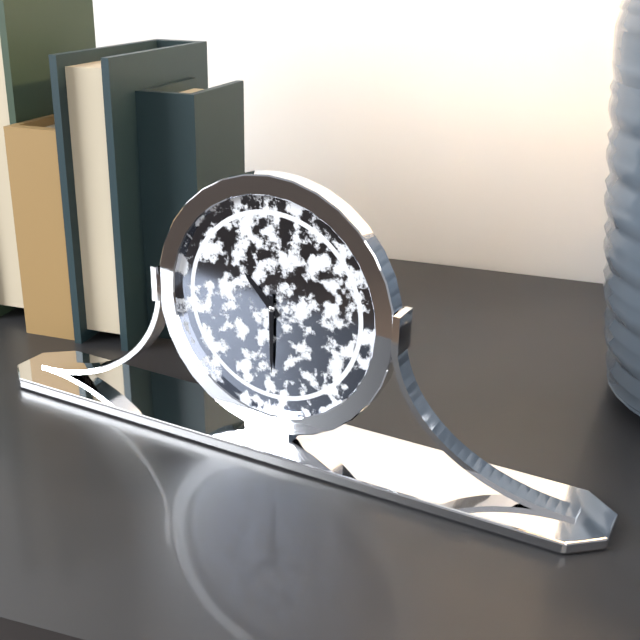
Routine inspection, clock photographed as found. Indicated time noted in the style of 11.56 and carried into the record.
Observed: 10.30
